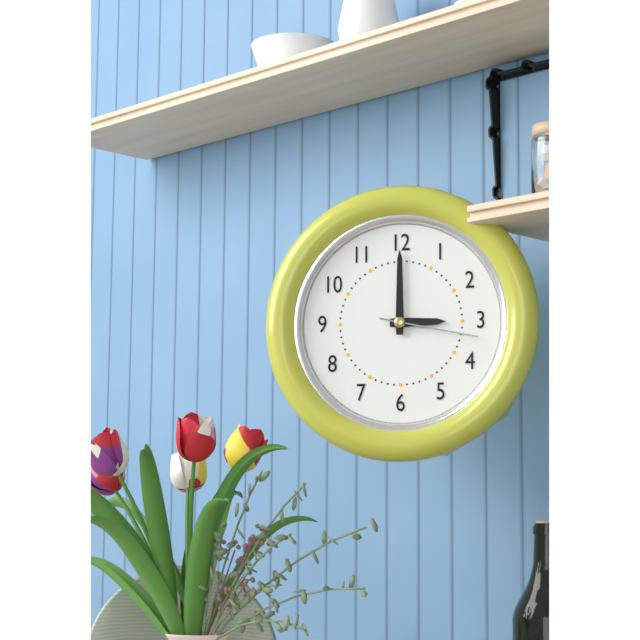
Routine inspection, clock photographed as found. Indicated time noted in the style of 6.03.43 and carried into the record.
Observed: 3.00.17
